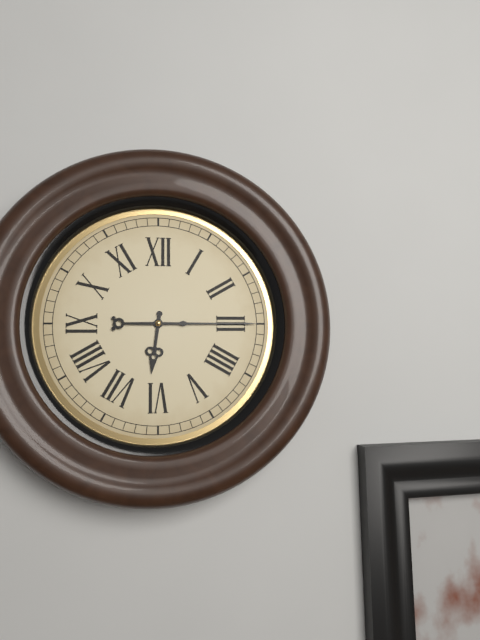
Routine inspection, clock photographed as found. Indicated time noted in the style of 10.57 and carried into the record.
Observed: 6.15
